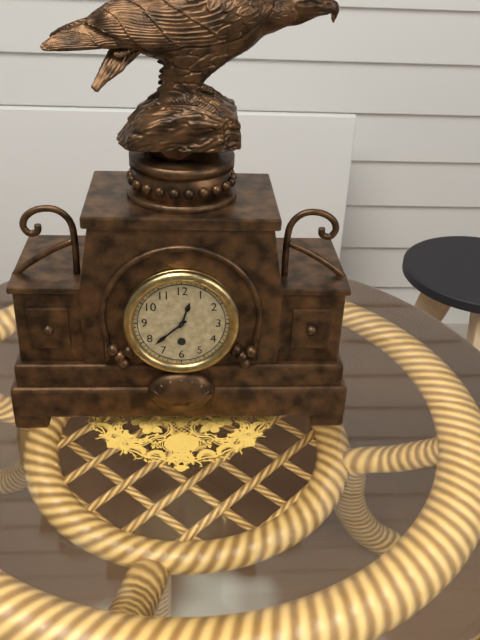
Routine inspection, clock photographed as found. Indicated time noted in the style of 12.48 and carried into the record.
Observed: 12.38
